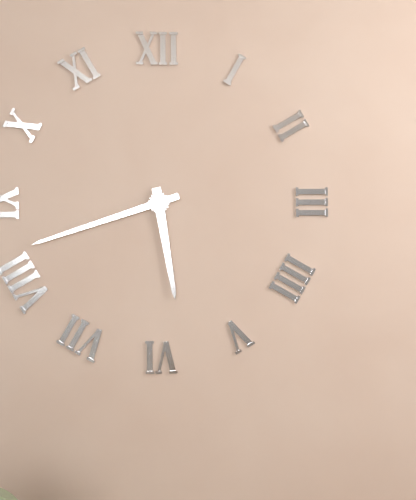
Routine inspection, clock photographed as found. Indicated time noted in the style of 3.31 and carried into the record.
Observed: 5.42
